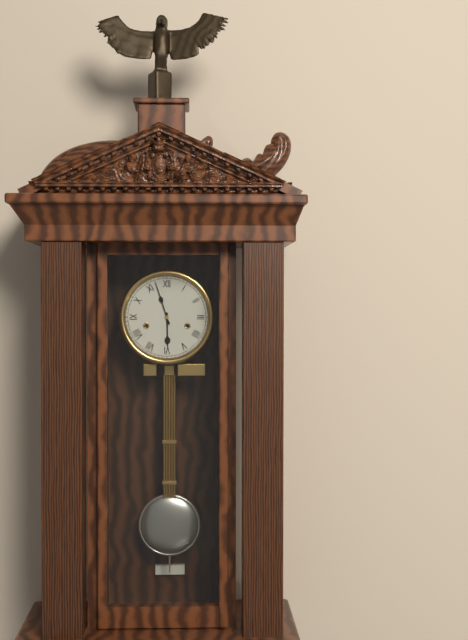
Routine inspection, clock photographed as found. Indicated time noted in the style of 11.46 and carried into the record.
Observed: 5.57
